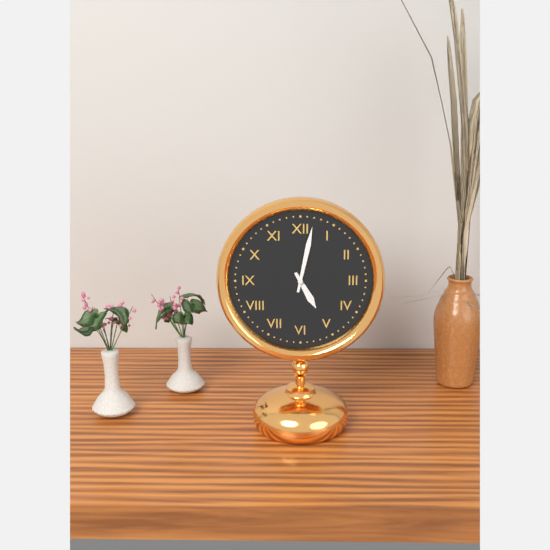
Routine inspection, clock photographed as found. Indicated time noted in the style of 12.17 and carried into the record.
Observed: 5.02
